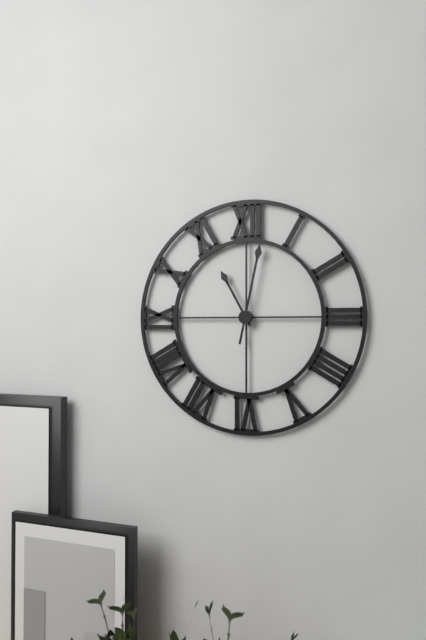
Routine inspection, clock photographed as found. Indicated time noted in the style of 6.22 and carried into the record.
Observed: 11.02
